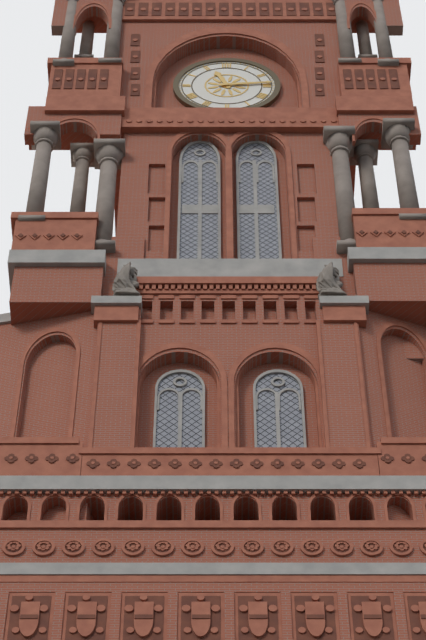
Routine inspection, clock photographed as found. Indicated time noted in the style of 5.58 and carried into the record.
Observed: 11.14
